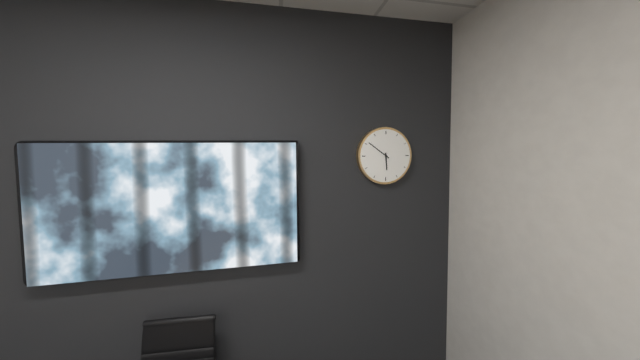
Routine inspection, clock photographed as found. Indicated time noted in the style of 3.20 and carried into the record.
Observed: 5.51
